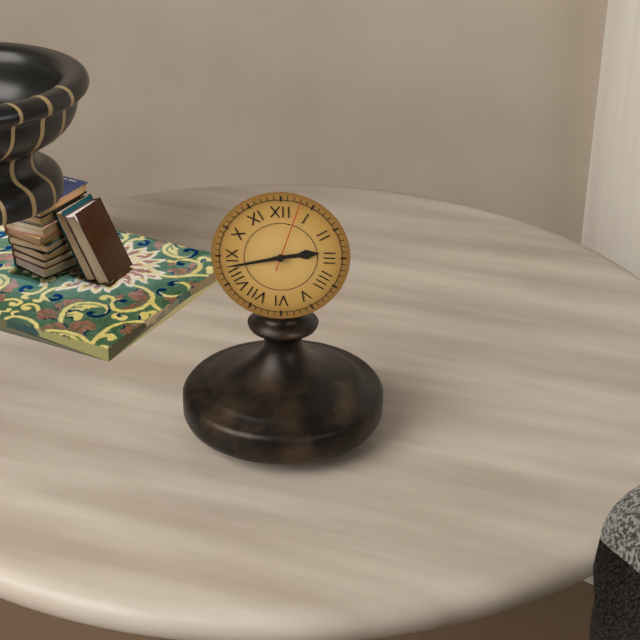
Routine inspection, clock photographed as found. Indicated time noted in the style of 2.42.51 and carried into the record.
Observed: 2.43.03
